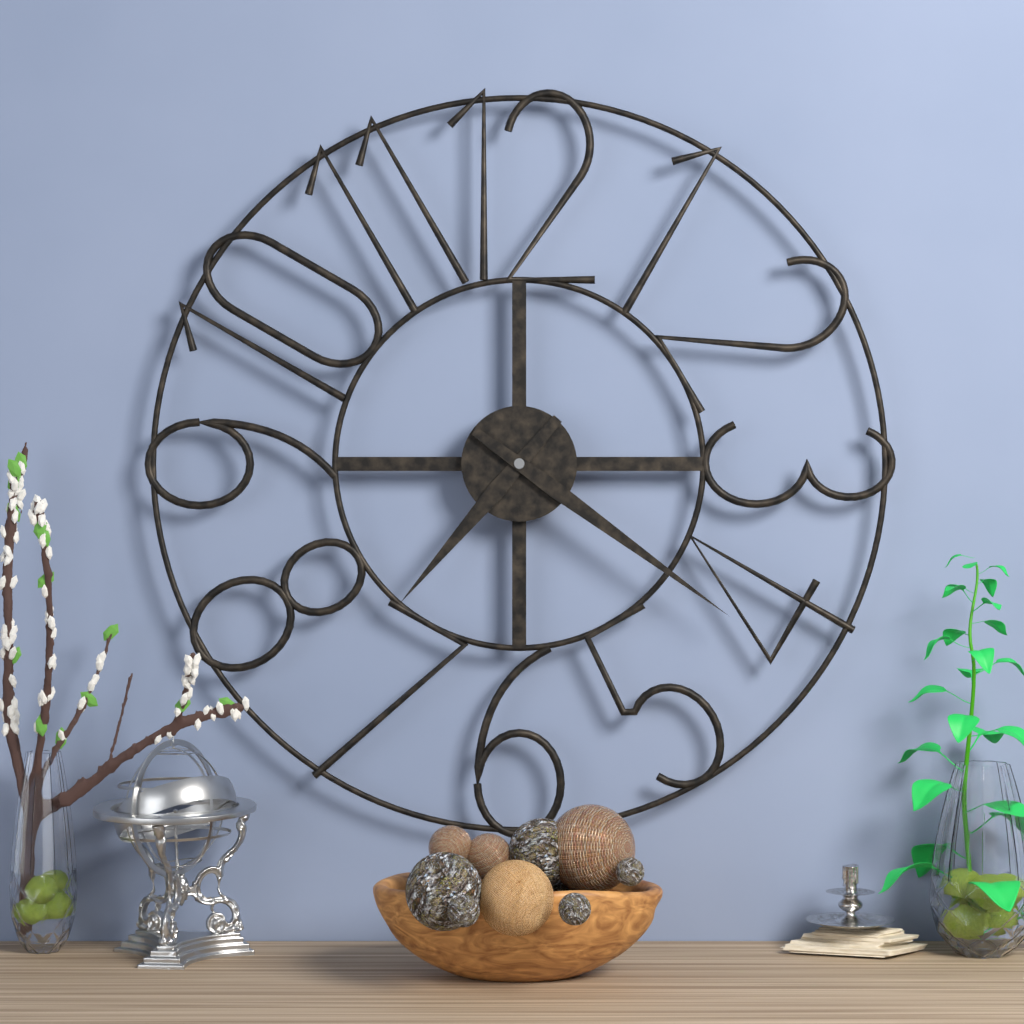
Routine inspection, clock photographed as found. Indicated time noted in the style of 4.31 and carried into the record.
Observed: 7.21
